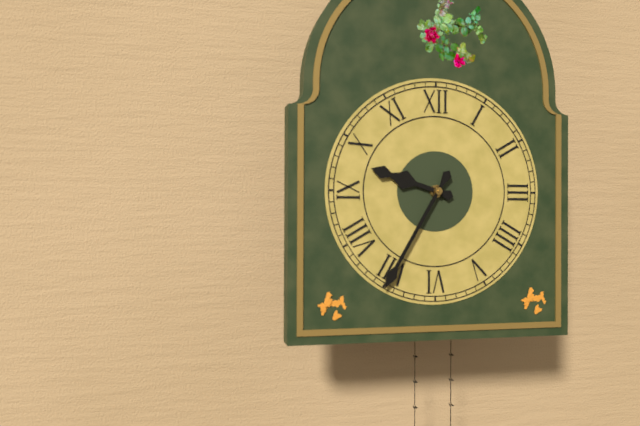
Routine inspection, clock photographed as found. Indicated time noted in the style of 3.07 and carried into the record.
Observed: 9.35
